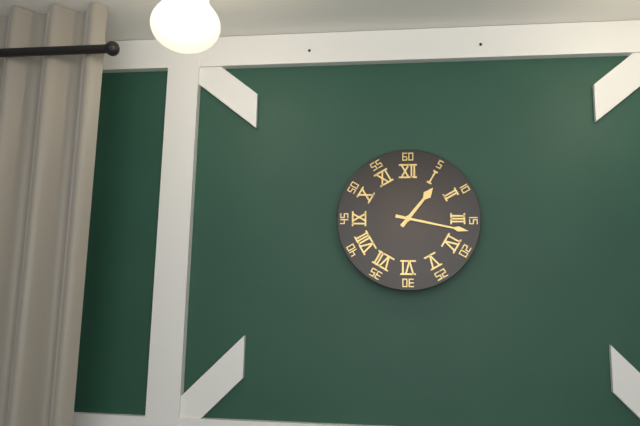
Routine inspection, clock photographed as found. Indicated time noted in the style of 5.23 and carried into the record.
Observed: 1.17
